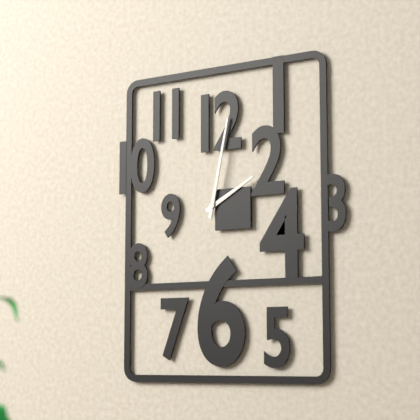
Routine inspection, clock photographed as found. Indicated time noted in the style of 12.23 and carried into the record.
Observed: 2.02
